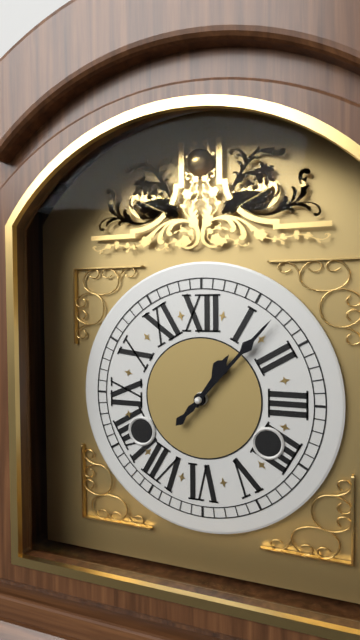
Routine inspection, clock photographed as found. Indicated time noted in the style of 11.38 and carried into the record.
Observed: 1.07
